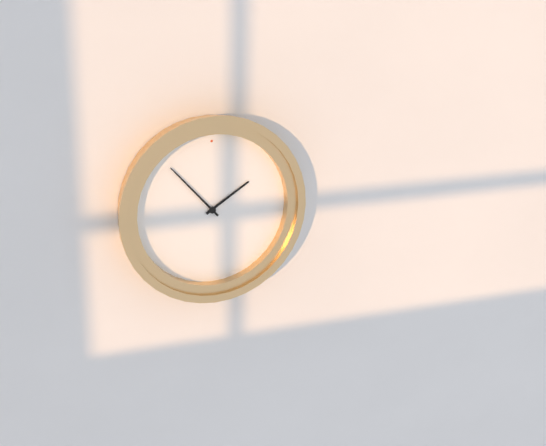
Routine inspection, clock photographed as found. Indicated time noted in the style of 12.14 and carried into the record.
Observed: 1.53
